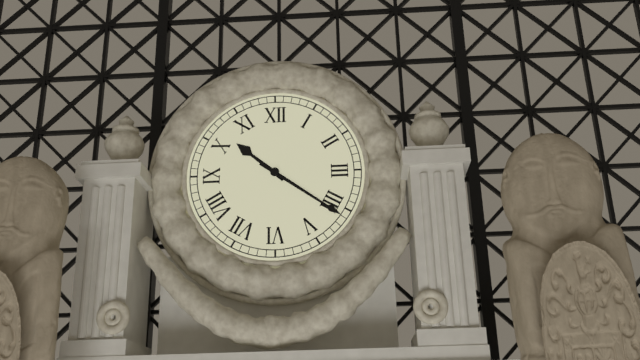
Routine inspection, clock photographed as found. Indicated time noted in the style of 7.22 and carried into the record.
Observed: 10.21
